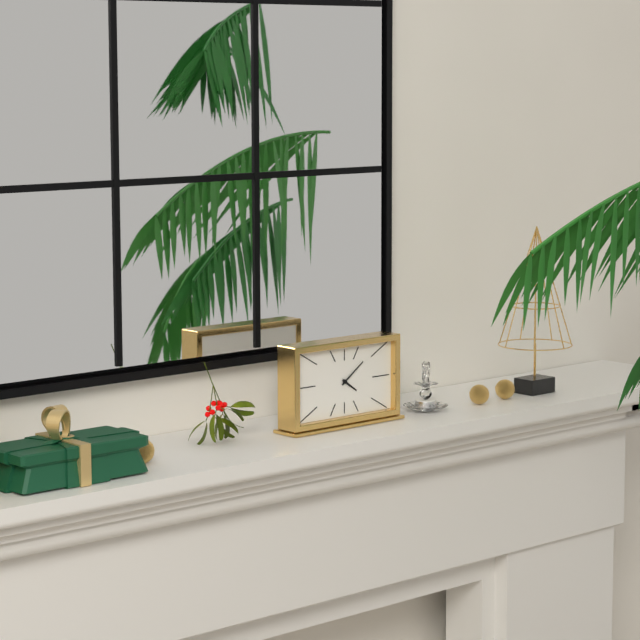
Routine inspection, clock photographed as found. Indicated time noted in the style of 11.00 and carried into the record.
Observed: 4.09
